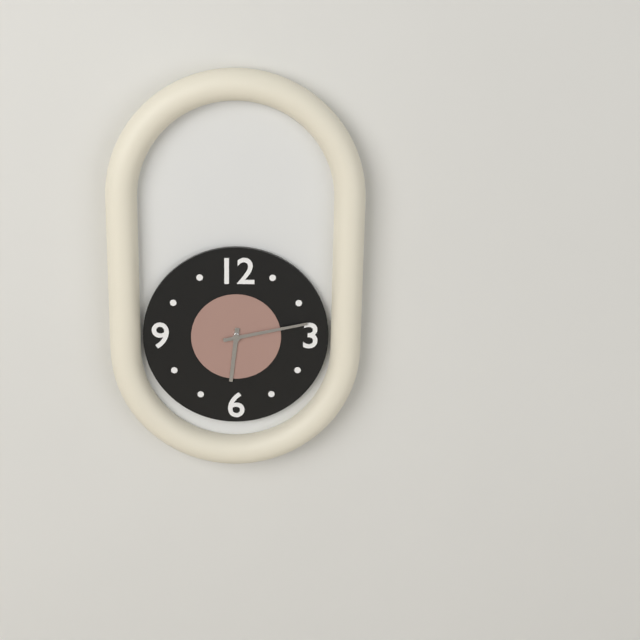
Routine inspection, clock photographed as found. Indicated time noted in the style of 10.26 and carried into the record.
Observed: 6.13
